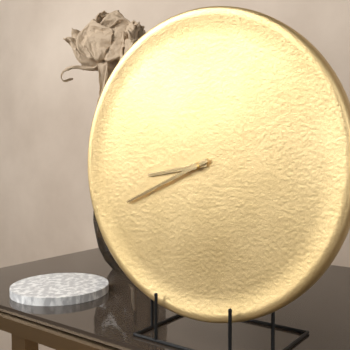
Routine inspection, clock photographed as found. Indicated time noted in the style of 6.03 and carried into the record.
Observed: 8.41
